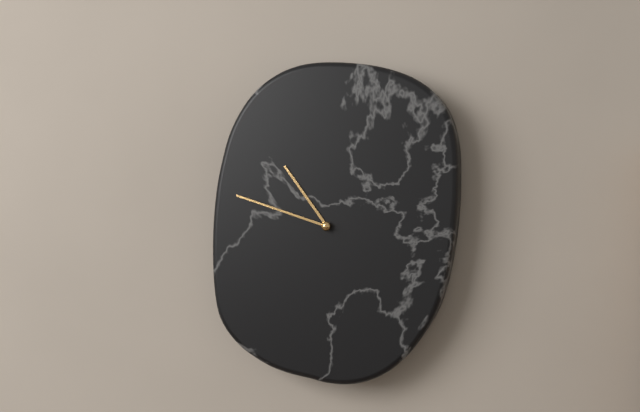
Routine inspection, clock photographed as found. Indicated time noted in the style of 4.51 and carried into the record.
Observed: 10.48
